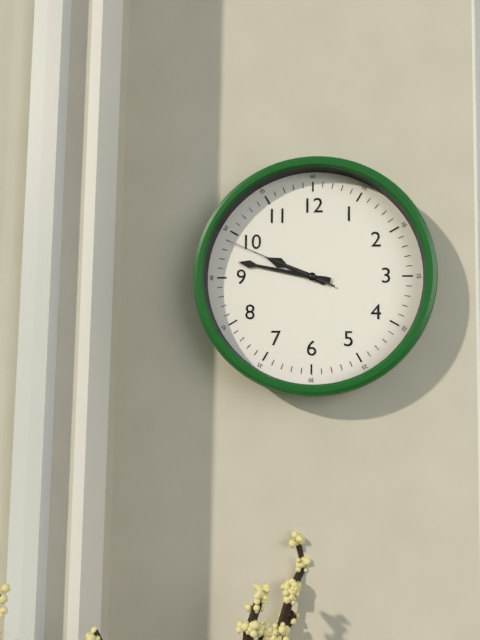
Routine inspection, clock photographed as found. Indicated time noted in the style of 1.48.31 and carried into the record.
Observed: 9.47.49
